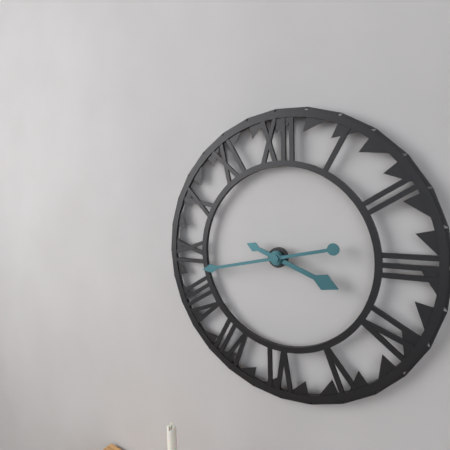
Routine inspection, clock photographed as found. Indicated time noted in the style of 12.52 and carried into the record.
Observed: 3.43
